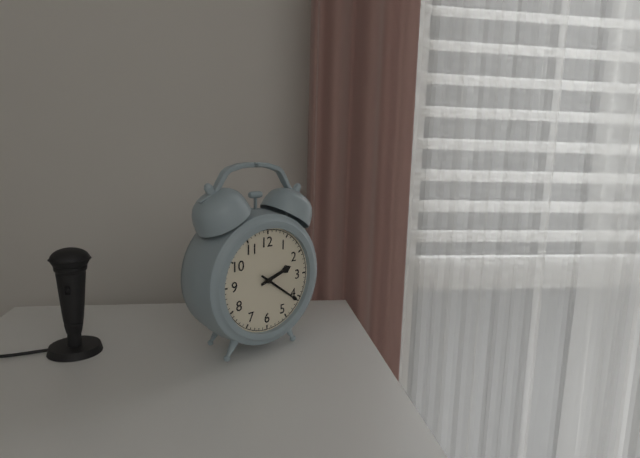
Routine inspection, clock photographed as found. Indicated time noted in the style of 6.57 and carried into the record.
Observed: 2.21
